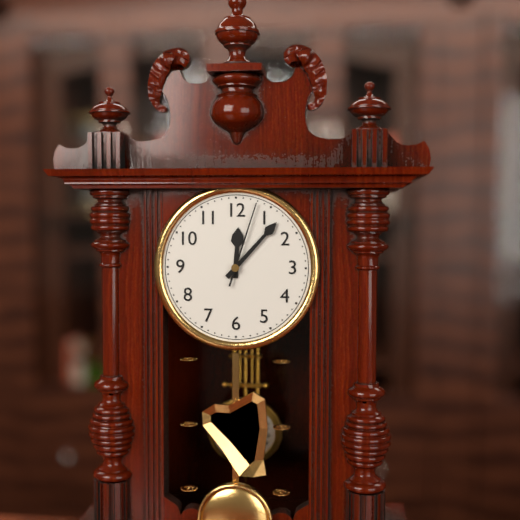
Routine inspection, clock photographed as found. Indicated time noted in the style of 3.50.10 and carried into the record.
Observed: 12.07.03
